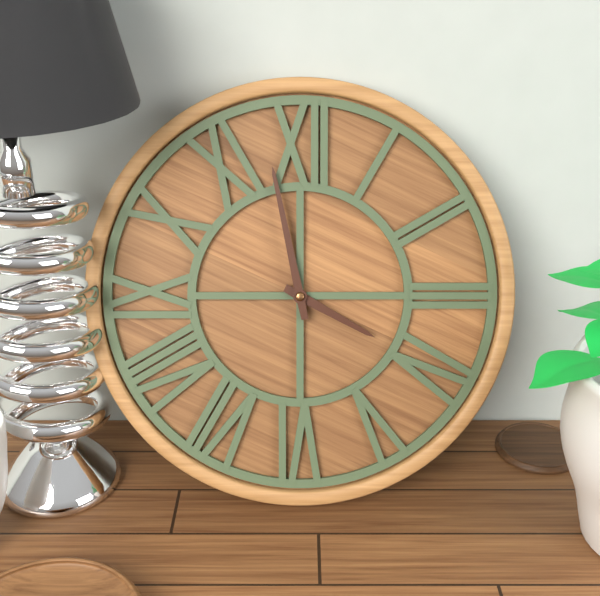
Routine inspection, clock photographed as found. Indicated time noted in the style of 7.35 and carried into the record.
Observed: 3.58
